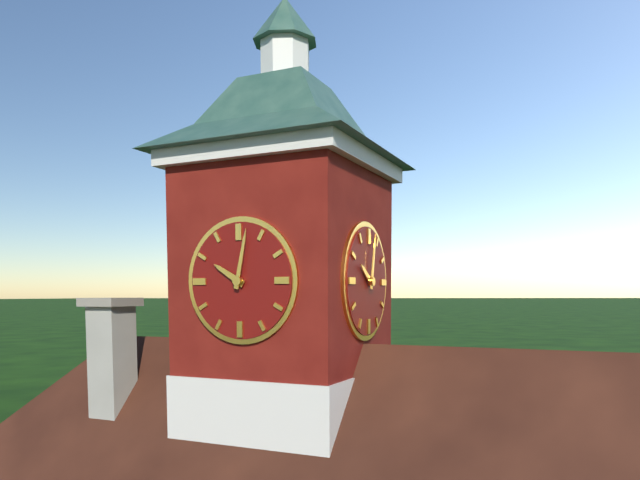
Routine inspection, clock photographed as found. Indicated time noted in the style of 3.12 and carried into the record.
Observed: 10.02
